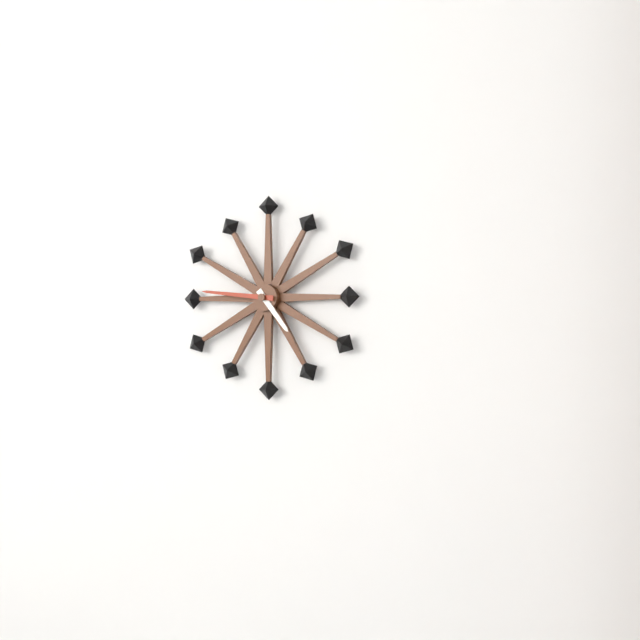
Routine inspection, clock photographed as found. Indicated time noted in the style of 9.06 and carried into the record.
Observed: 4.46
